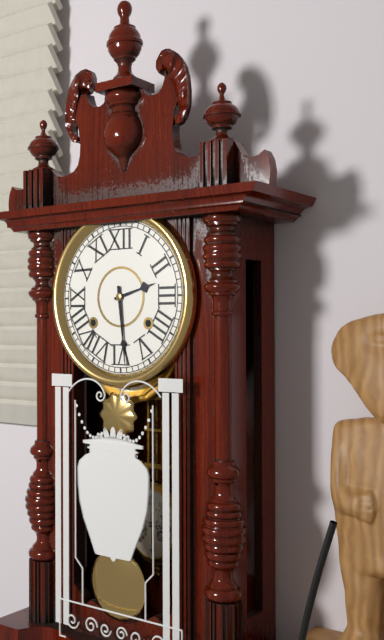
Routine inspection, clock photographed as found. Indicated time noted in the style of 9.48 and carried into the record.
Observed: 2.29
